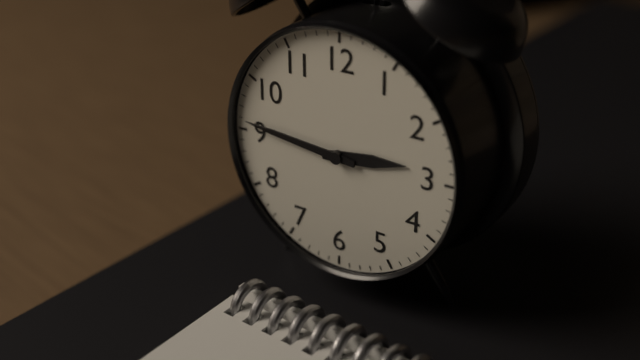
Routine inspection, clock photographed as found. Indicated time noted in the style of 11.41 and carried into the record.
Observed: 2.46
